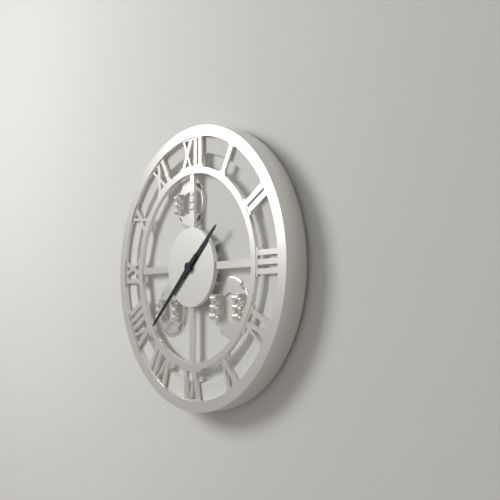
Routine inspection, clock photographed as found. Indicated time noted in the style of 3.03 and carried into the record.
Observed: 1.38
